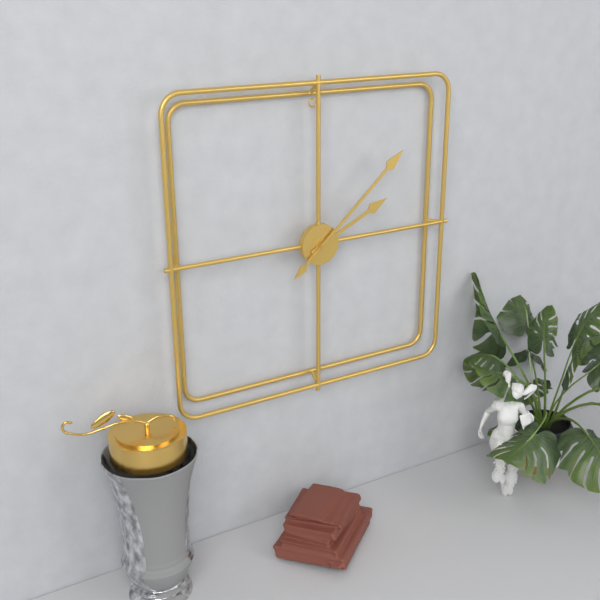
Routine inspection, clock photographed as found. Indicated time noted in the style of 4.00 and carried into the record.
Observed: 2.08
